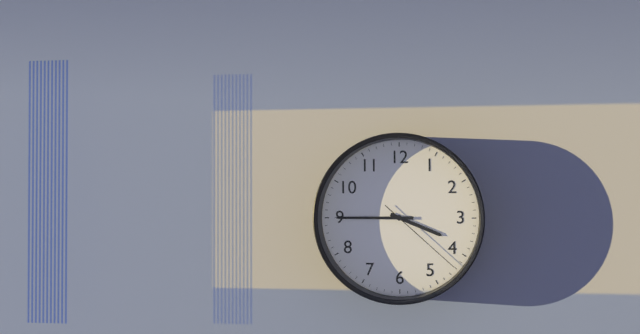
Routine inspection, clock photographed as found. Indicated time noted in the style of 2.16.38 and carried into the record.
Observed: 3.45.22
